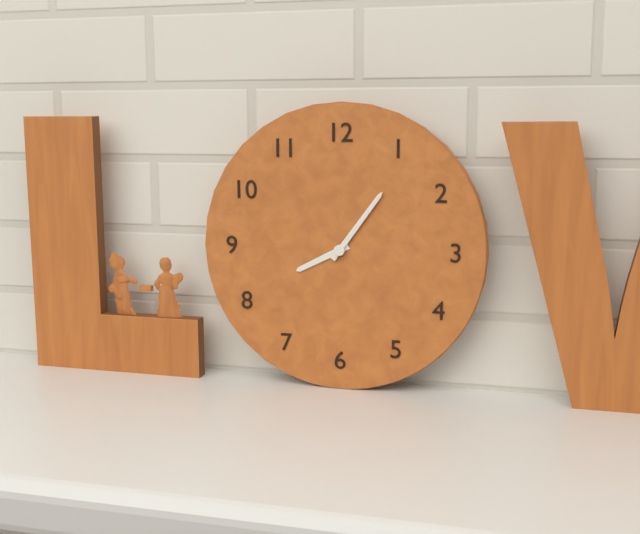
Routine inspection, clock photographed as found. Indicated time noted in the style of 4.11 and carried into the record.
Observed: 8.06
